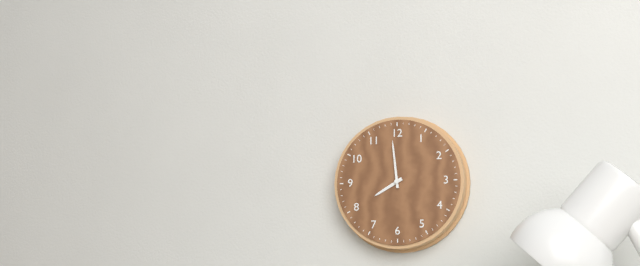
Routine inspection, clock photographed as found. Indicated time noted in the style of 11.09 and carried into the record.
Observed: 7.59
